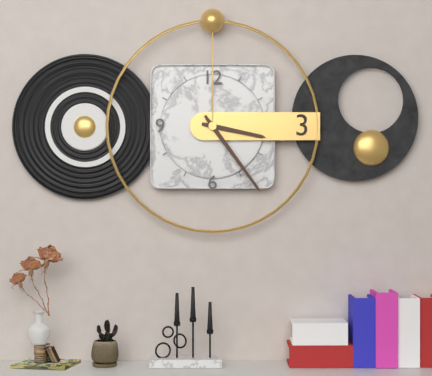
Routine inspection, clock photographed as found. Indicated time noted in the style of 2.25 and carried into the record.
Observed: 3.24
